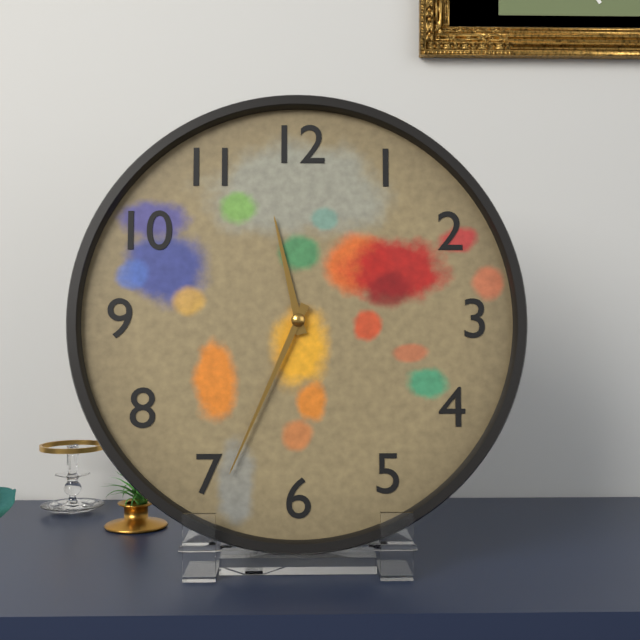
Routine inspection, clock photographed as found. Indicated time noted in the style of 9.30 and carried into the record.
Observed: 11.34
